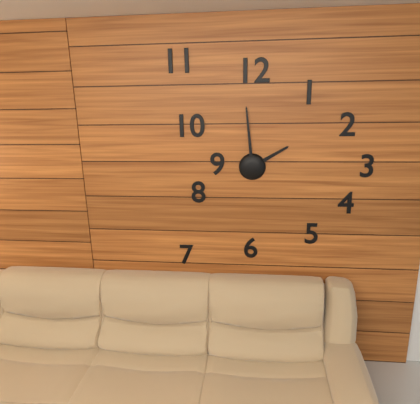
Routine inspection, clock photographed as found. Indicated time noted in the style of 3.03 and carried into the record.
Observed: 1.59
